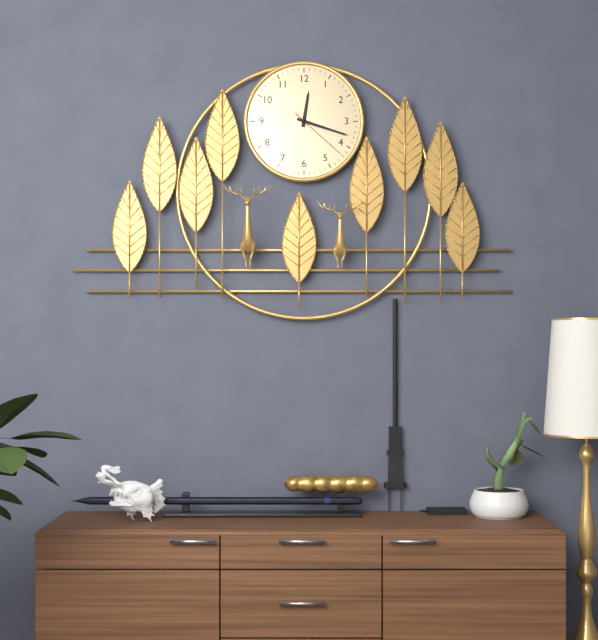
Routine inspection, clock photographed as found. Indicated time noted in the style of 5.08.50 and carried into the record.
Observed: 12.18.22
